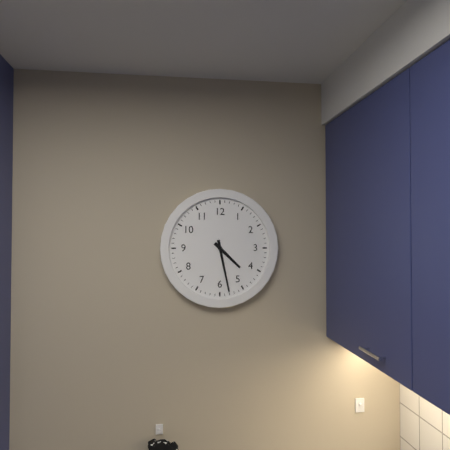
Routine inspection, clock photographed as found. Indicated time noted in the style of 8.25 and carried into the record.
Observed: 4.28
